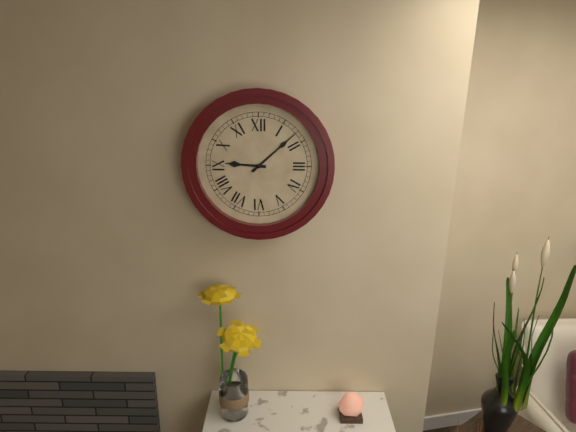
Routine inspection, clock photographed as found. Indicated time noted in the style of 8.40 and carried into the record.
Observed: 9.08
